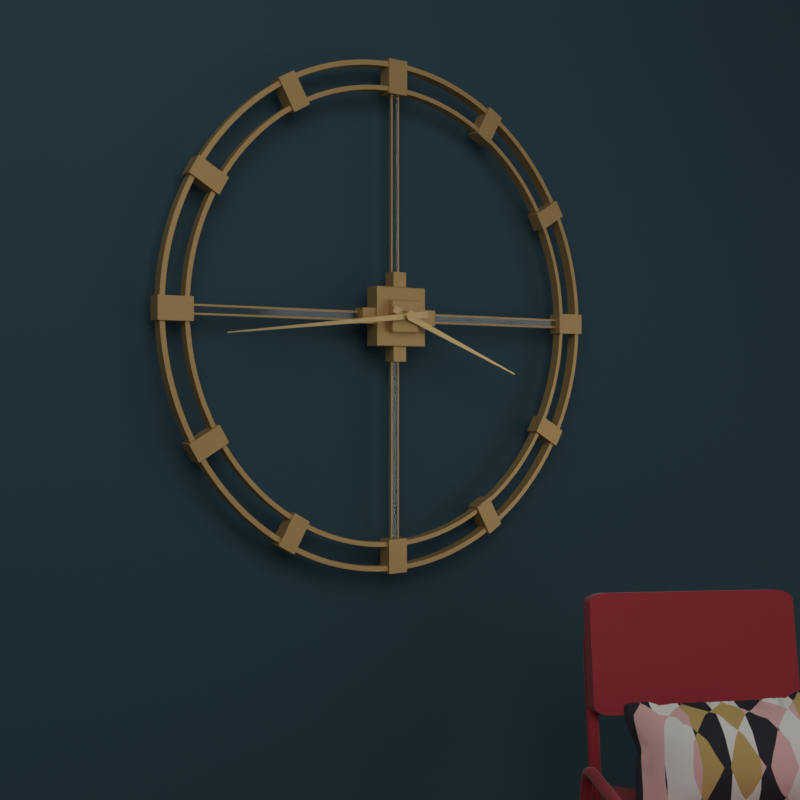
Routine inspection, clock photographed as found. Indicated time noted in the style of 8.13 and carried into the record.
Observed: 3.44
